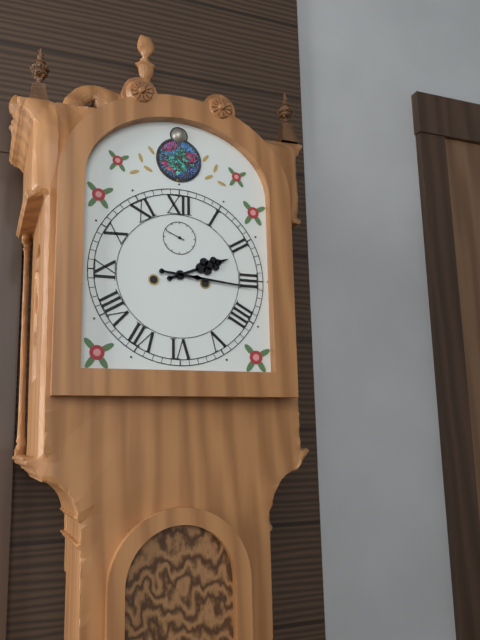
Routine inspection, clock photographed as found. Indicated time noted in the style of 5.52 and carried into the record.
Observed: 2.16
